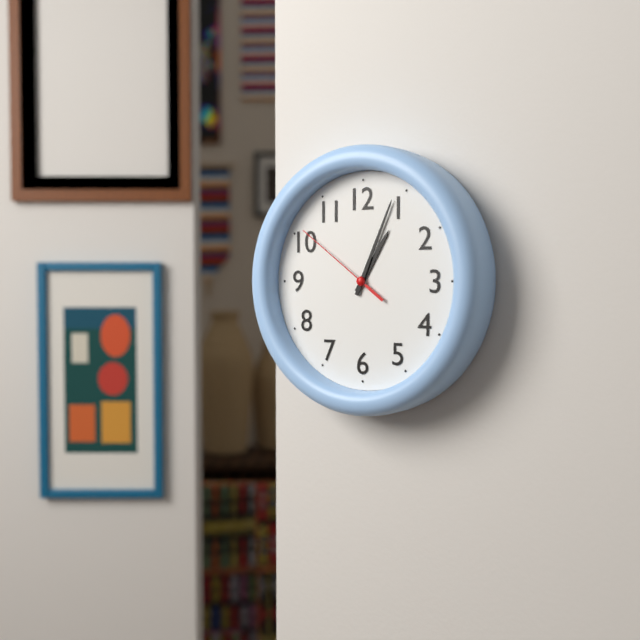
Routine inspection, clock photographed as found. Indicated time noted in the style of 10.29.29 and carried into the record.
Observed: 1.04.51
